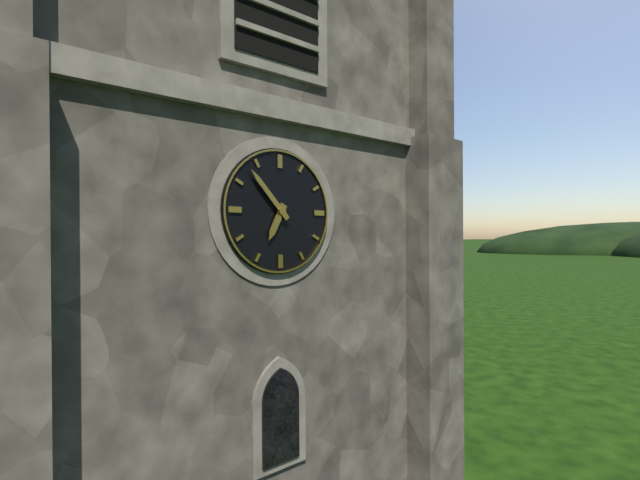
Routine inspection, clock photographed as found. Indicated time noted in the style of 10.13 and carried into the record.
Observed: 6.53
